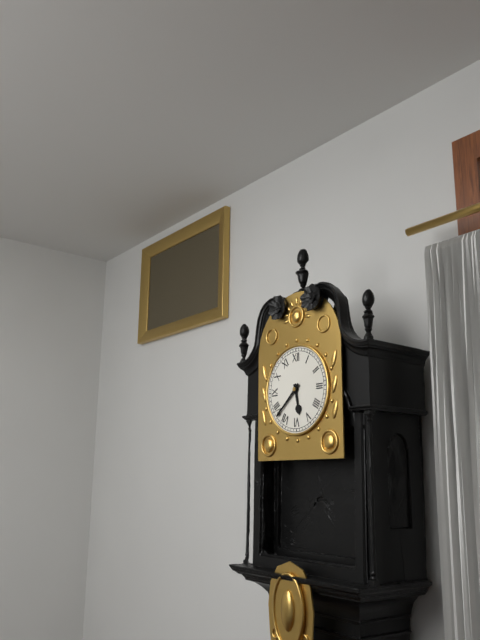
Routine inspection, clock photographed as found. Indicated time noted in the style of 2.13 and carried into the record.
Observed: 5.38
